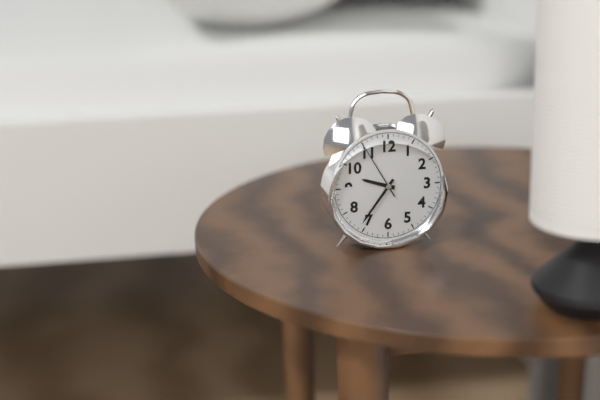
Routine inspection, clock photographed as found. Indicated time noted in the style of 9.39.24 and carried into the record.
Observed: 9.36.55
